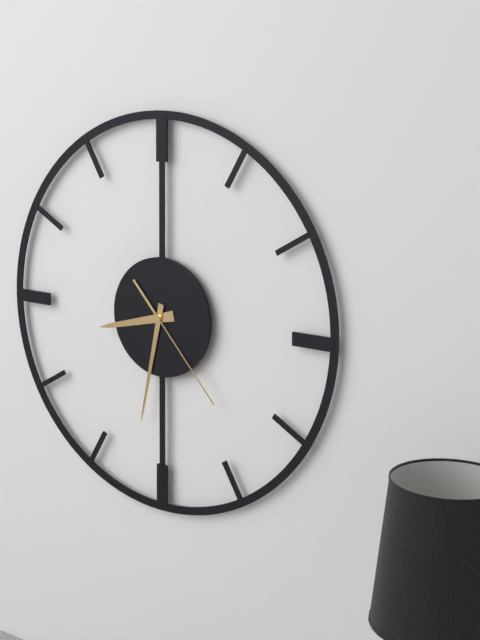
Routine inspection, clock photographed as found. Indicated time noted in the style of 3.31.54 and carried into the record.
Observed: 8.32.23
